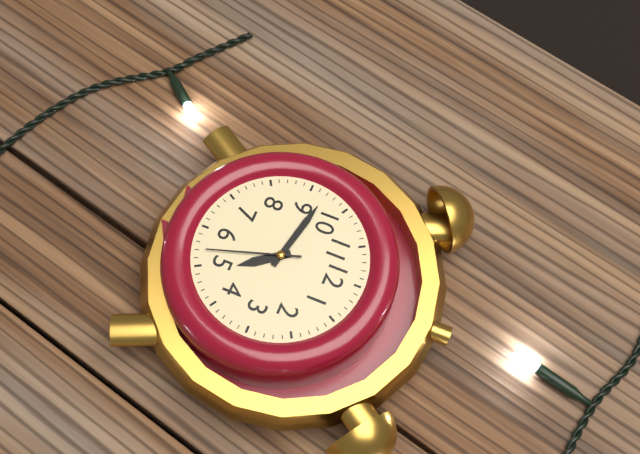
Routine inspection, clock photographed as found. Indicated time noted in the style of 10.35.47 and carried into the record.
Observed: 4.47.27
